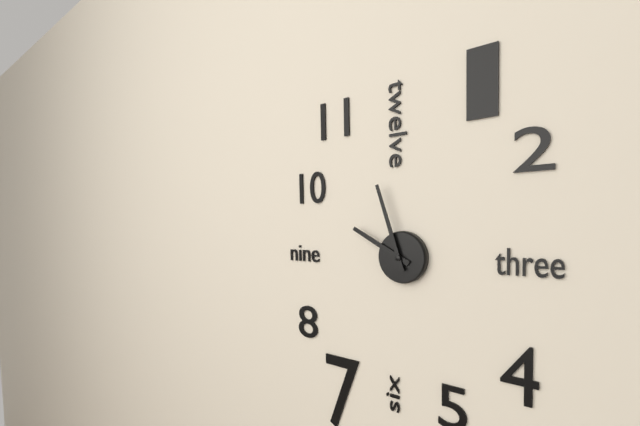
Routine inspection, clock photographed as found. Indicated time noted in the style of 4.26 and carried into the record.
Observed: 9.57
